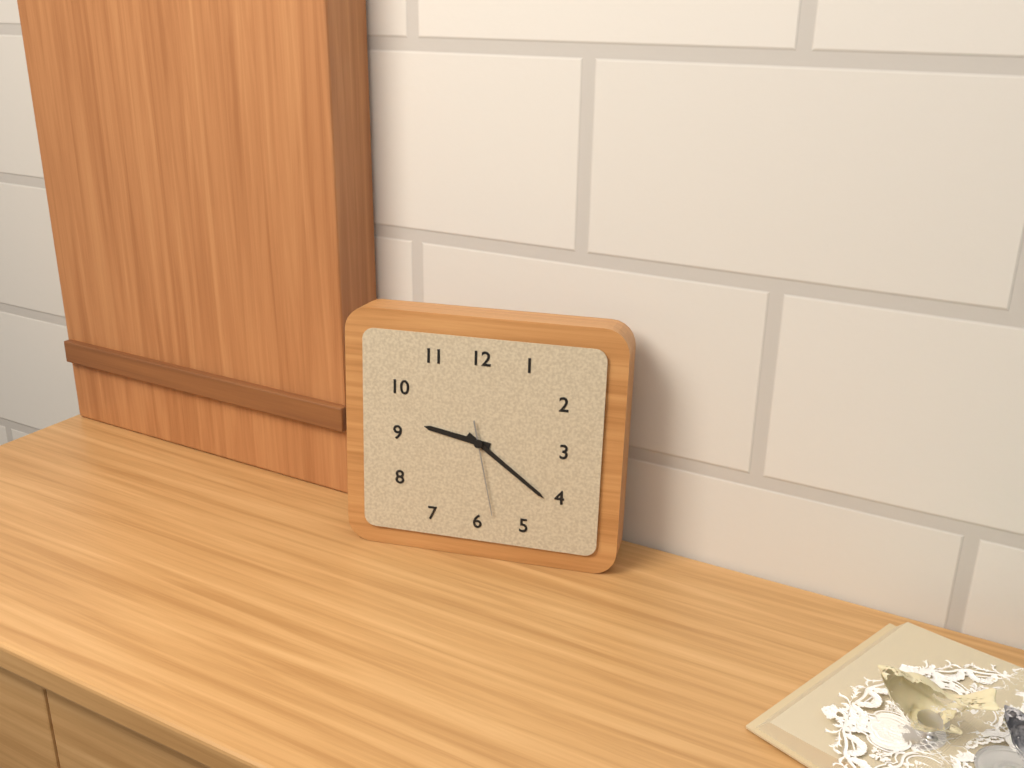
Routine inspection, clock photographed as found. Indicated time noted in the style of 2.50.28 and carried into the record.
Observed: 9.21.28
